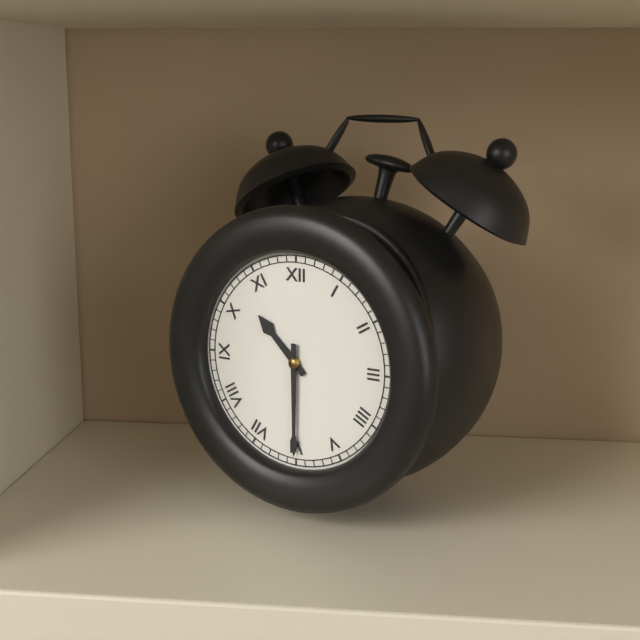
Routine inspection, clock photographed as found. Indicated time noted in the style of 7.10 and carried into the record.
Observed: 10.30
